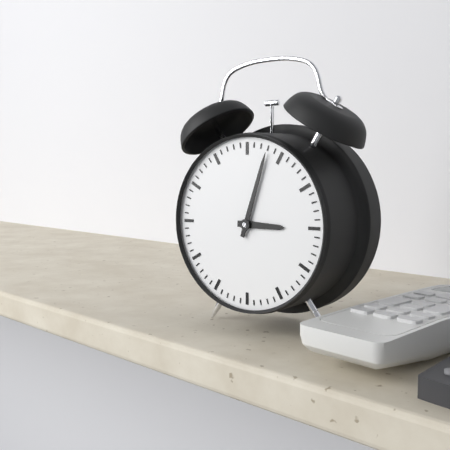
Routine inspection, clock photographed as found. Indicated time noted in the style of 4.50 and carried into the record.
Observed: 3.03
